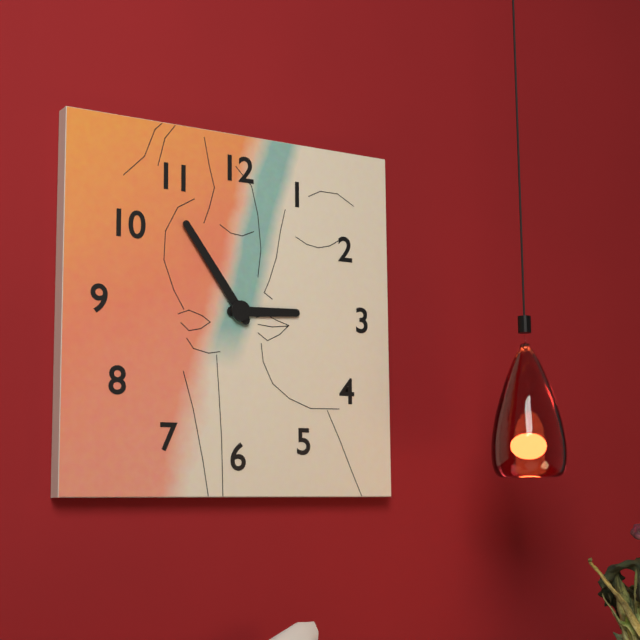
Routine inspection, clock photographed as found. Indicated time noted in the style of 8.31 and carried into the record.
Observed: 2.54
